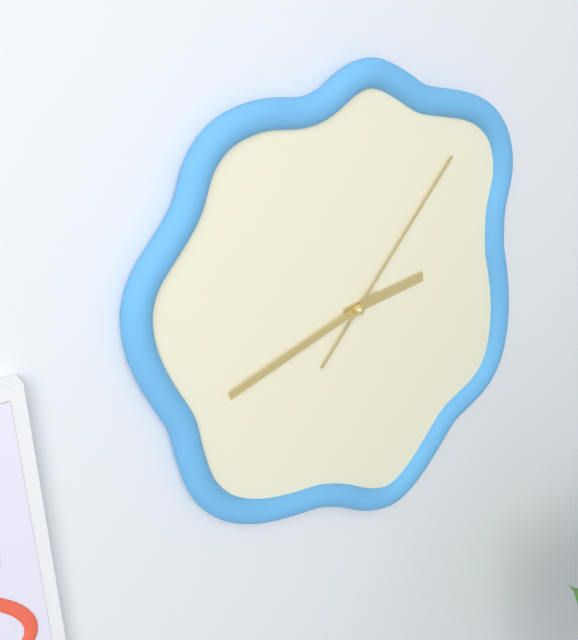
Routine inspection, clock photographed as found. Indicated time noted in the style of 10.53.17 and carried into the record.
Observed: 2.42.07
